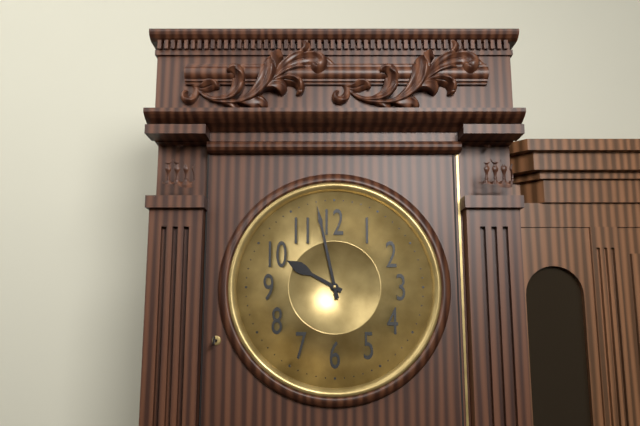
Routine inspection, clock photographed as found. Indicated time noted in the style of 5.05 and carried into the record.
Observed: 9.58
